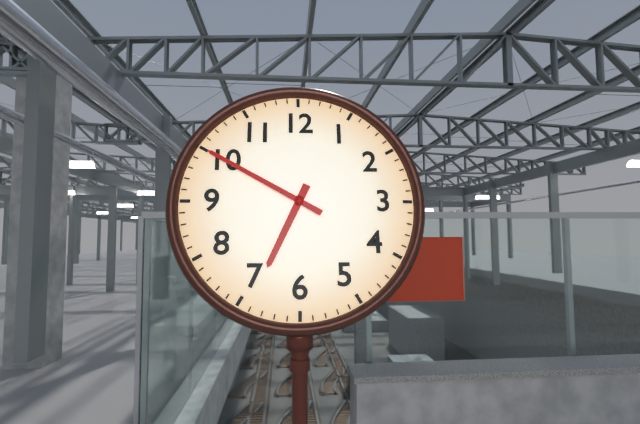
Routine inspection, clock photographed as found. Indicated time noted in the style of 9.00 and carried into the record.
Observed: 6.50
